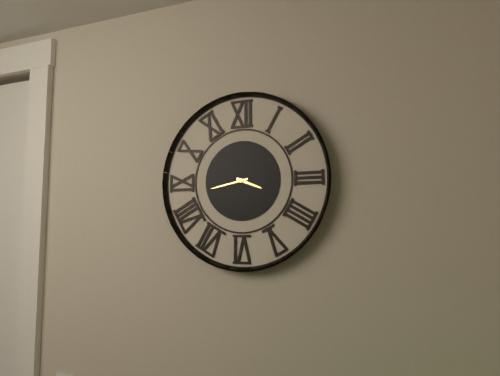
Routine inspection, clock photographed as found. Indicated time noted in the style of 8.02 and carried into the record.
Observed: 3.43
